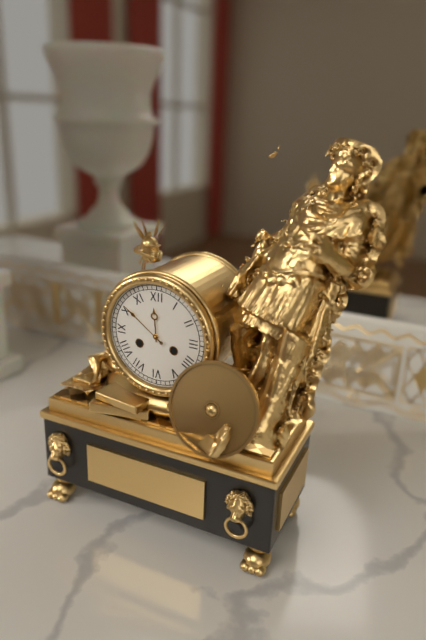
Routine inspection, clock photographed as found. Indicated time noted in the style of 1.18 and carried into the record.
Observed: 11.51
